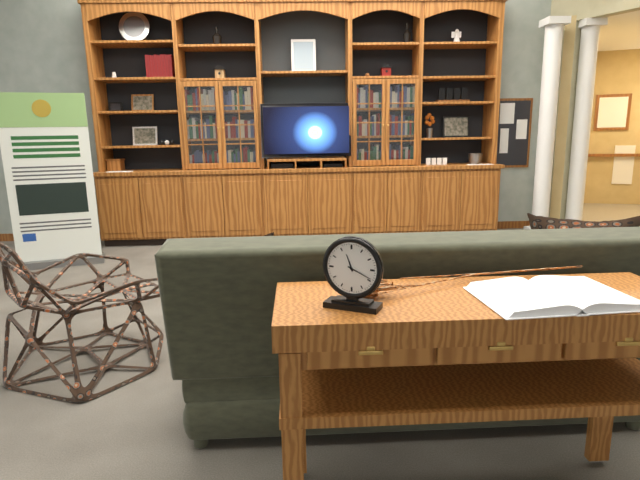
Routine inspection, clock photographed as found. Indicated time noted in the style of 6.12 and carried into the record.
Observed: 11.19
